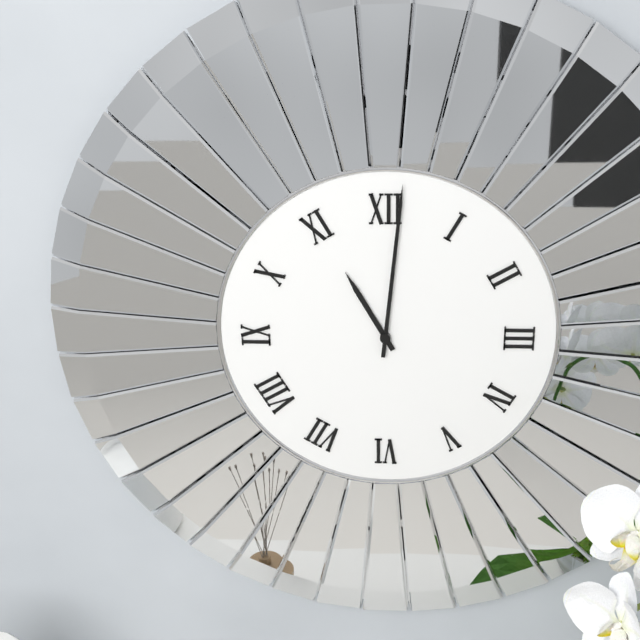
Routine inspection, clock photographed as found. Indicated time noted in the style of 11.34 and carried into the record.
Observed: 11.01
